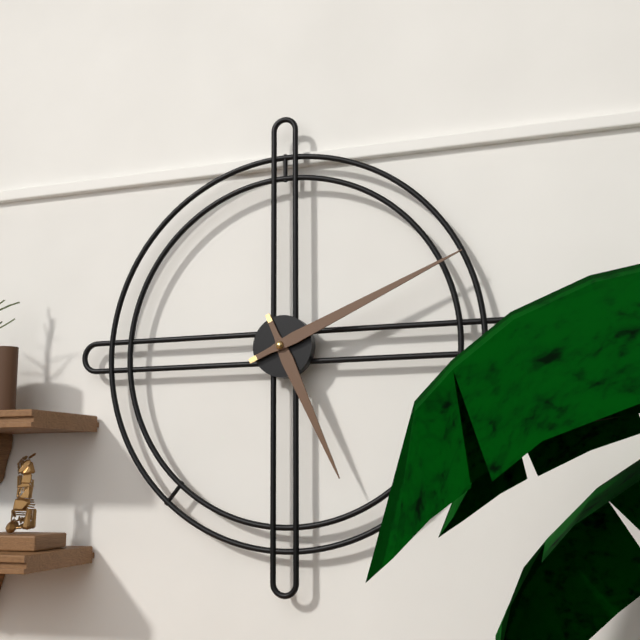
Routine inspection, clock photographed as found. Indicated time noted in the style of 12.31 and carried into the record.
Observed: 5.11
